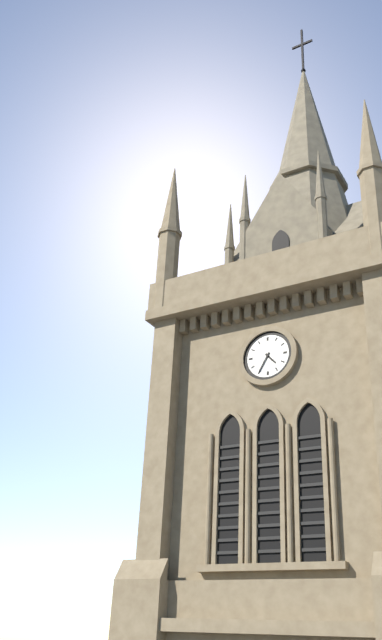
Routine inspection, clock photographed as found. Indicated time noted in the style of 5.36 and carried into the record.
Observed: 4.35
